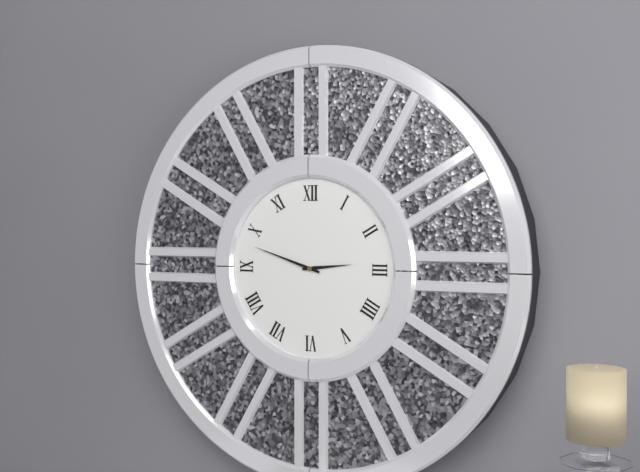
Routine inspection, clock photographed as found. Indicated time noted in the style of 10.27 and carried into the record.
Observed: 2.48
